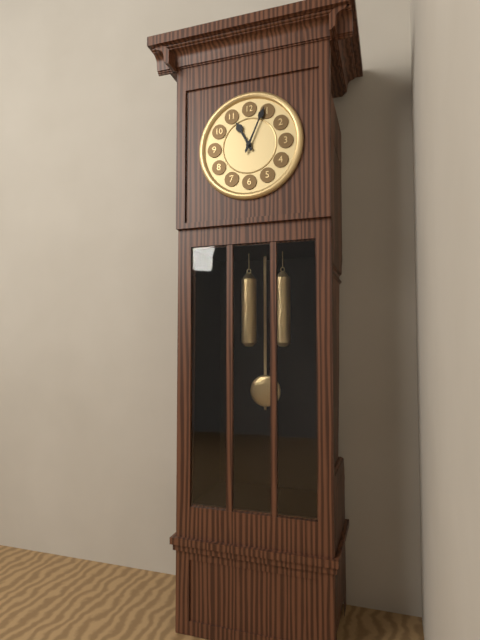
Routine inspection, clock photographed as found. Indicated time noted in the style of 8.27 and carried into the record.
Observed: 11.04
